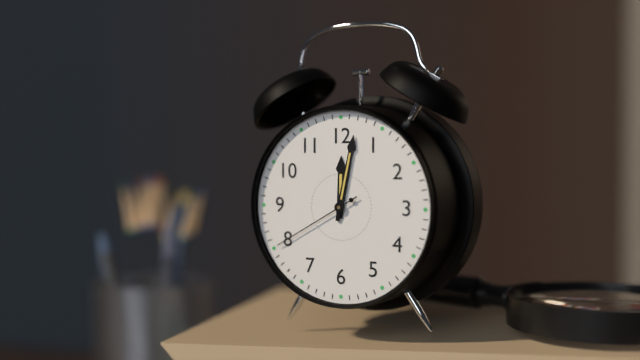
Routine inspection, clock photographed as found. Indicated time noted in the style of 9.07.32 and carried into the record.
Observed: 12.02.40
